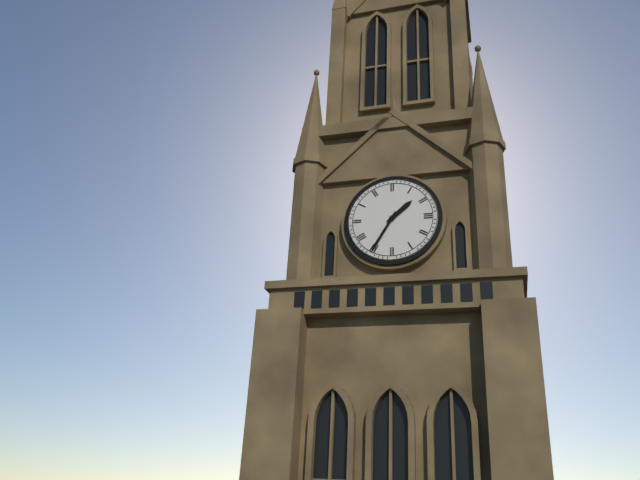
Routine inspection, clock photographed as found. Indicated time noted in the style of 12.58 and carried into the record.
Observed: 1.35
